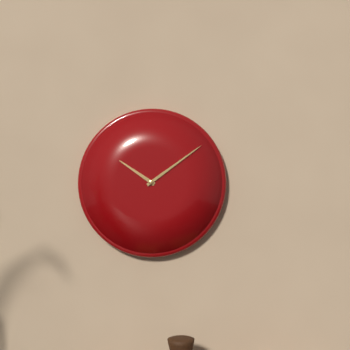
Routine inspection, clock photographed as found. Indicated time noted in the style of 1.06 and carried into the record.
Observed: 10.09
